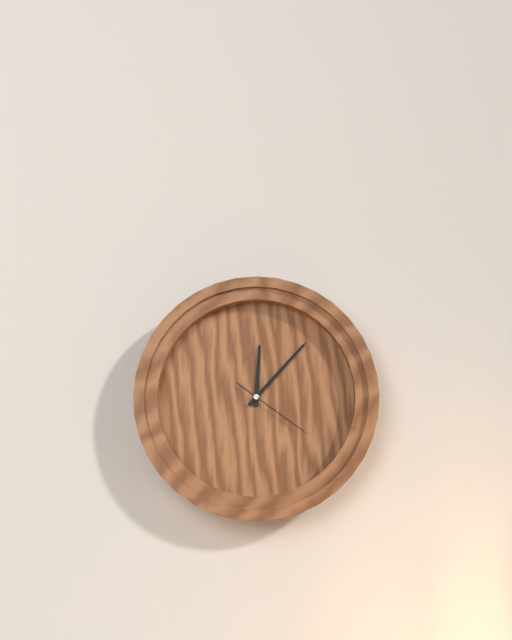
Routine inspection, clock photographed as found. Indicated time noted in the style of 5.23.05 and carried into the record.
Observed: 12.07.21
